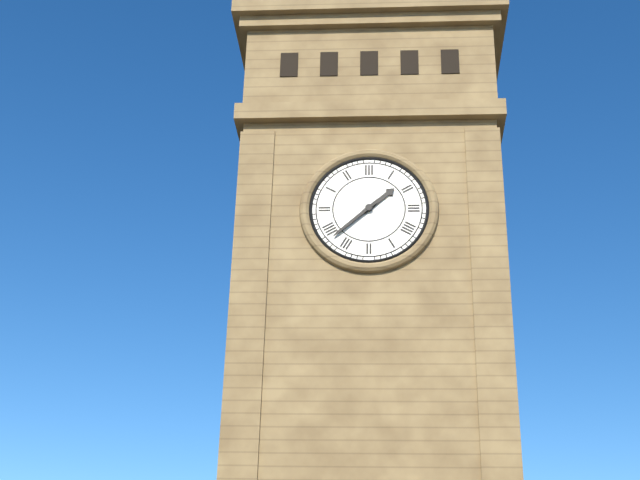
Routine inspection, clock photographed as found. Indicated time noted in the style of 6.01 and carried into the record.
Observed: 1.38
